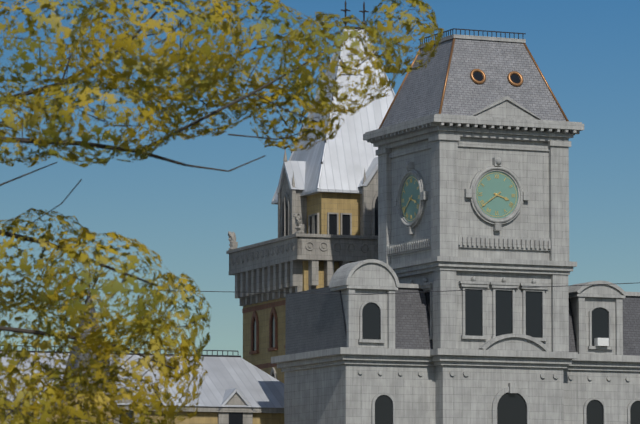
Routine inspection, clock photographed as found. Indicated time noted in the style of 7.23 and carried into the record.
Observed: 3.39
